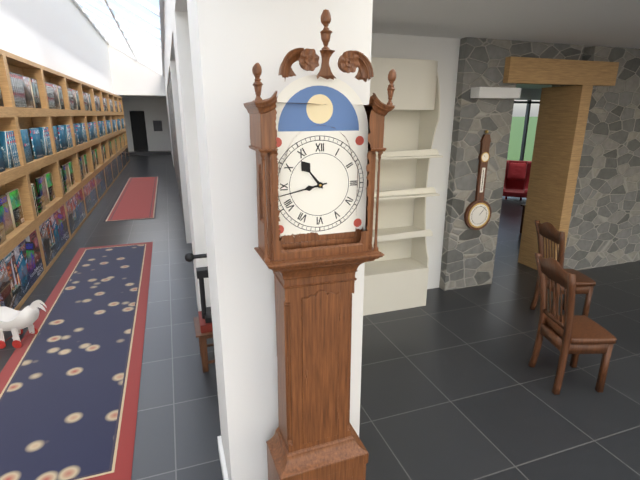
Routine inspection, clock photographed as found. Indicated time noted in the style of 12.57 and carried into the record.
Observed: 10.43
